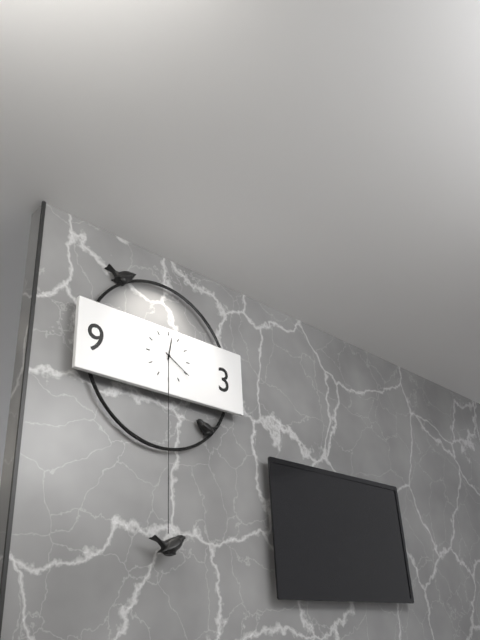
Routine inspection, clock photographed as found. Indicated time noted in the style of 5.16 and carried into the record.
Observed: 12.20
